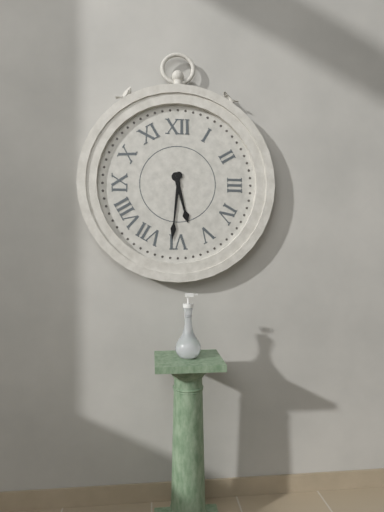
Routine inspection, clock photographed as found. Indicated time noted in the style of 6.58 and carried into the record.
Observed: 5.31
